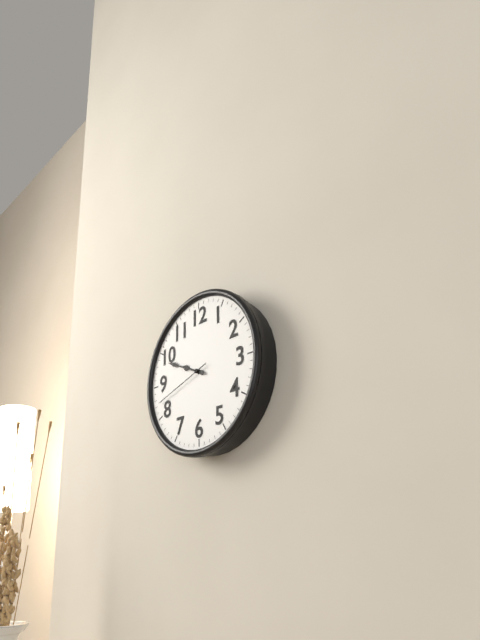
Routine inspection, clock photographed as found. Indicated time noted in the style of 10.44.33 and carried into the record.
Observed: 9.49.42
